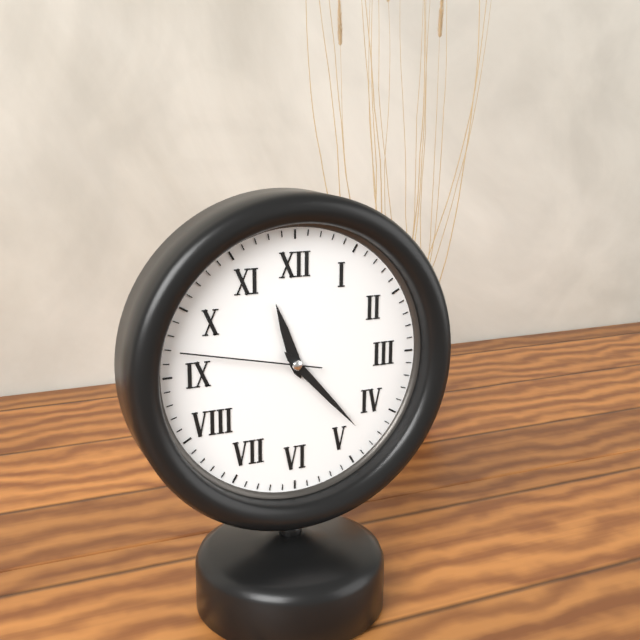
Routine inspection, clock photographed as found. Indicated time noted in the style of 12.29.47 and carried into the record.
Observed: 11.23.47
